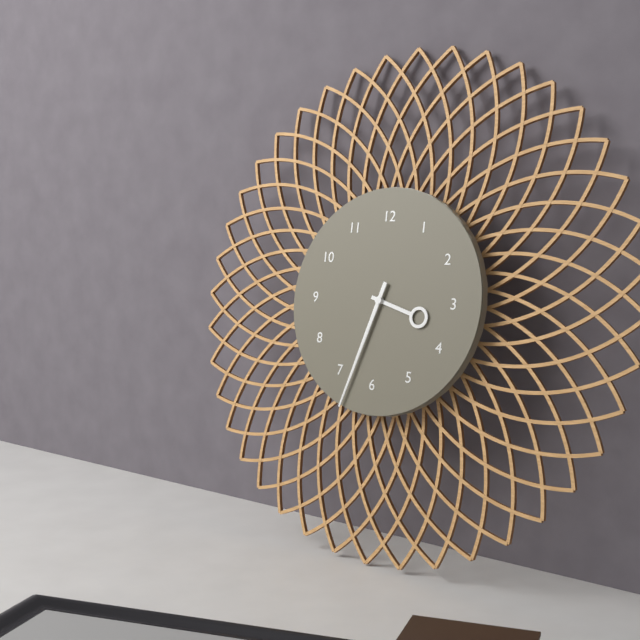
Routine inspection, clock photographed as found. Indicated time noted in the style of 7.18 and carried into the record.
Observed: 3.33
